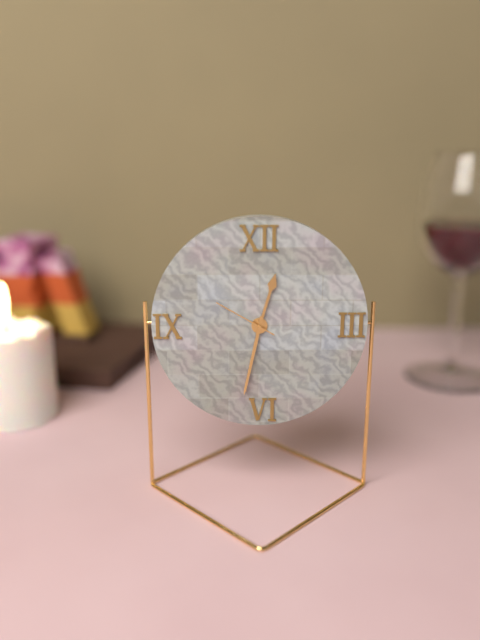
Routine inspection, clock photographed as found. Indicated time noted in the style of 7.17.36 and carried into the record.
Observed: 12.32.50
